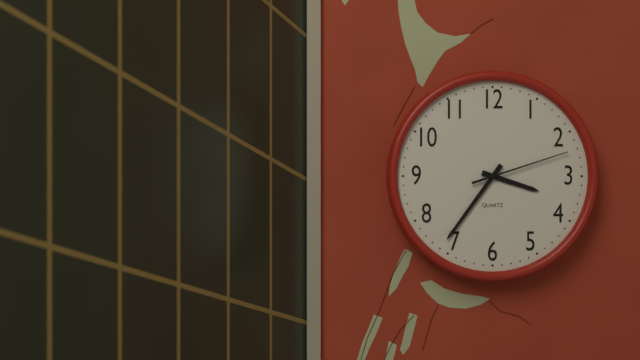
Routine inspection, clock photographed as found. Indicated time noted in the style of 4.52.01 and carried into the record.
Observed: 3.36.12
